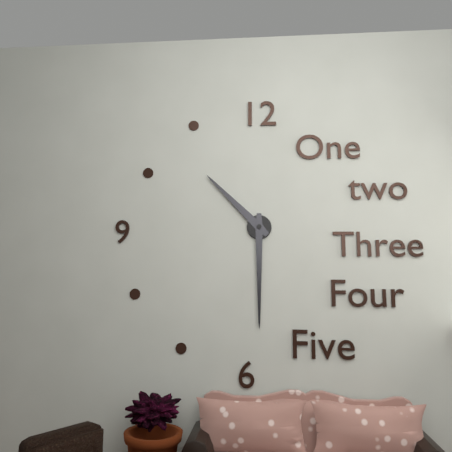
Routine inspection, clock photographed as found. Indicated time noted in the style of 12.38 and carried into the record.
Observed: 10.30
